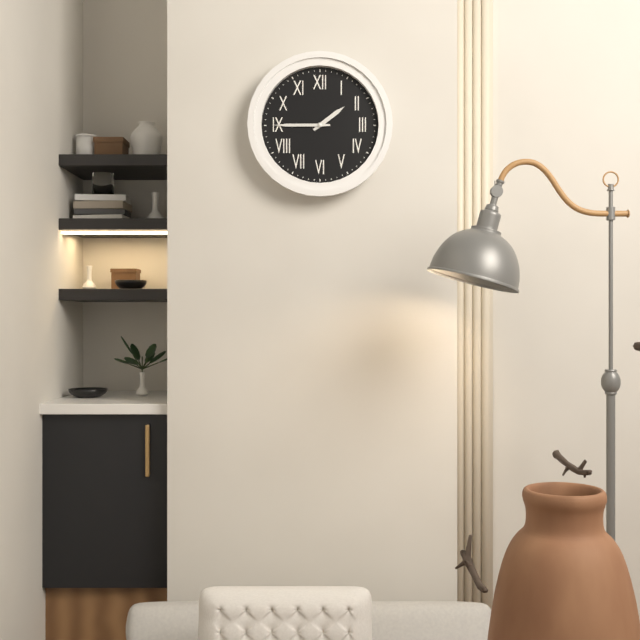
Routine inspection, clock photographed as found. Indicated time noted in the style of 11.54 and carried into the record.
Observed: 1.45
